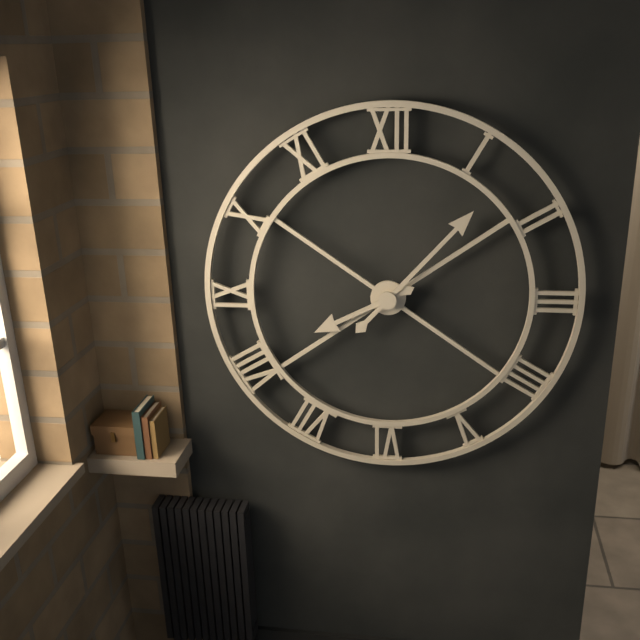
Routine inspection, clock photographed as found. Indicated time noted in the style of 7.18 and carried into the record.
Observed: 8.07
